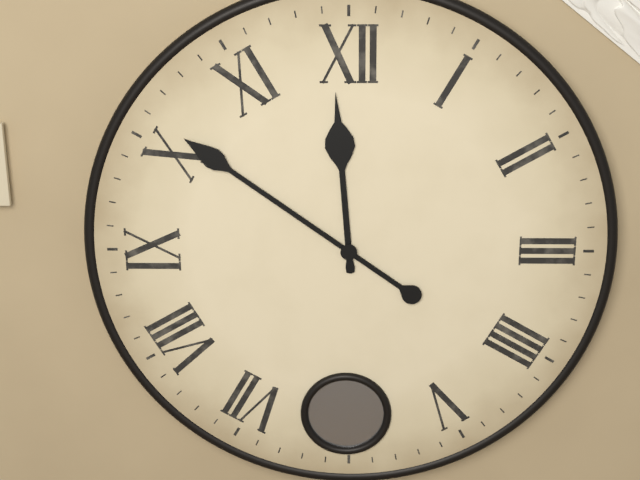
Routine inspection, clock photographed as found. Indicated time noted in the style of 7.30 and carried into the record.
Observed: 11.51
